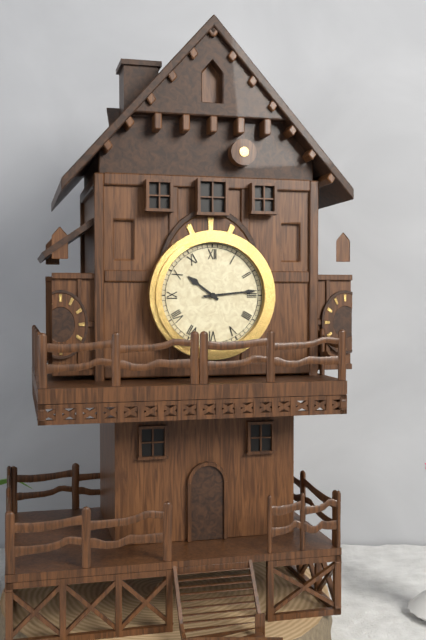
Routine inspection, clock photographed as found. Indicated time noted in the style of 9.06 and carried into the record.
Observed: 10.14
